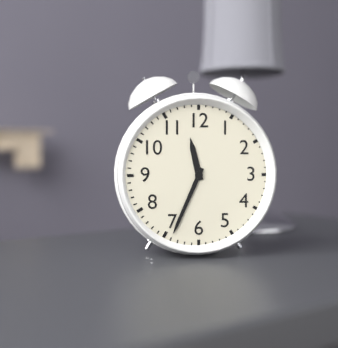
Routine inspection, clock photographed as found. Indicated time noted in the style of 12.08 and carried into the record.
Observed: 11.34
